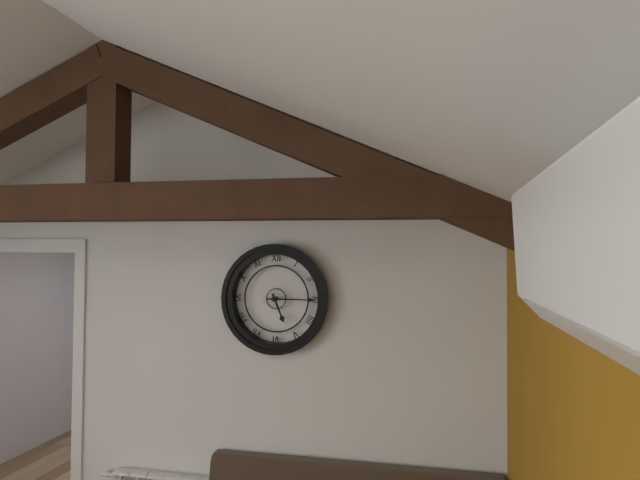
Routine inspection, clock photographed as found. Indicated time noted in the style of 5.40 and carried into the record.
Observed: 5.15
